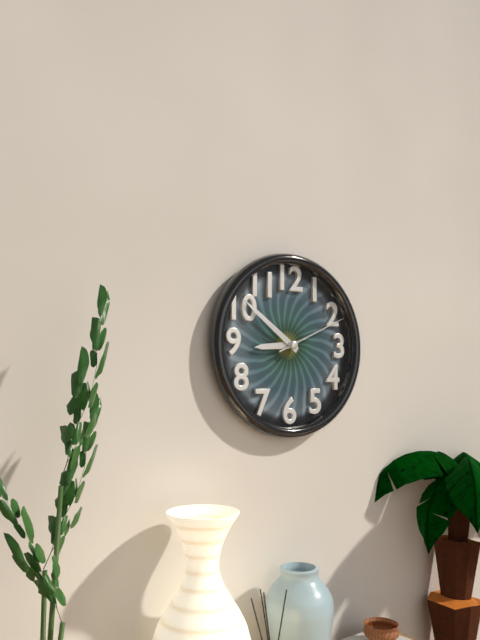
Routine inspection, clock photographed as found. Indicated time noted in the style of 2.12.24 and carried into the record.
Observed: 8.51.11
